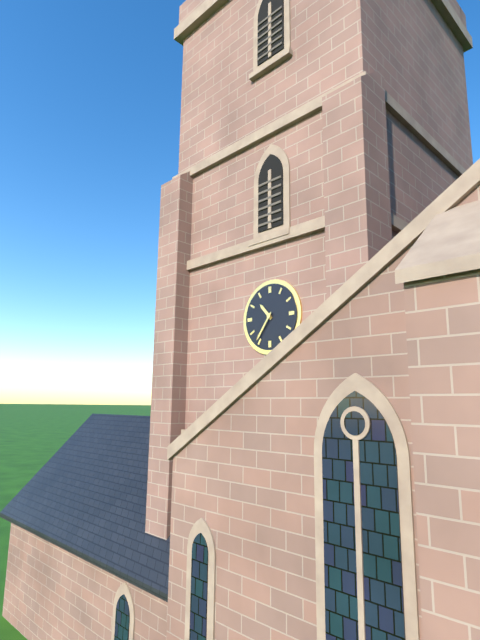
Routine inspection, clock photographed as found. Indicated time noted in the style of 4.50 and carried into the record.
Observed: 10.36
